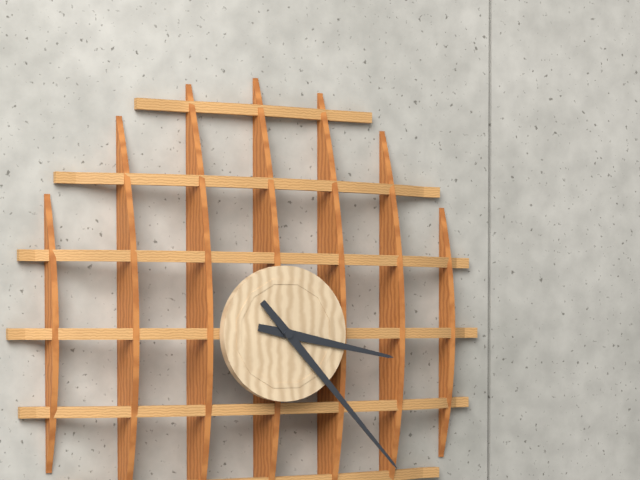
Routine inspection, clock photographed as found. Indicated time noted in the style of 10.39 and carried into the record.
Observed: 3.23
